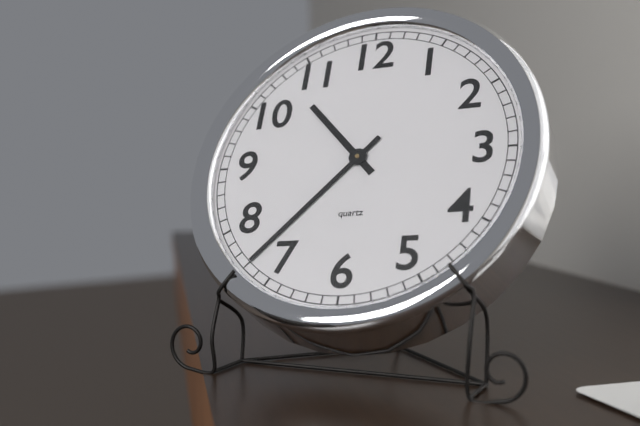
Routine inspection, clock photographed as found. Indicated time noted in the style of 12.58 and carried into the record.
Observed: 10.37
